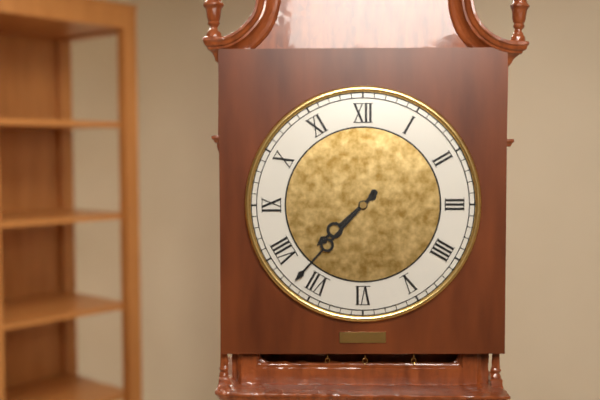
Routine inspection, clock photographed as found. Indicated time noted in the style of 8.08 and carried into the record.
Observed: 7.37
